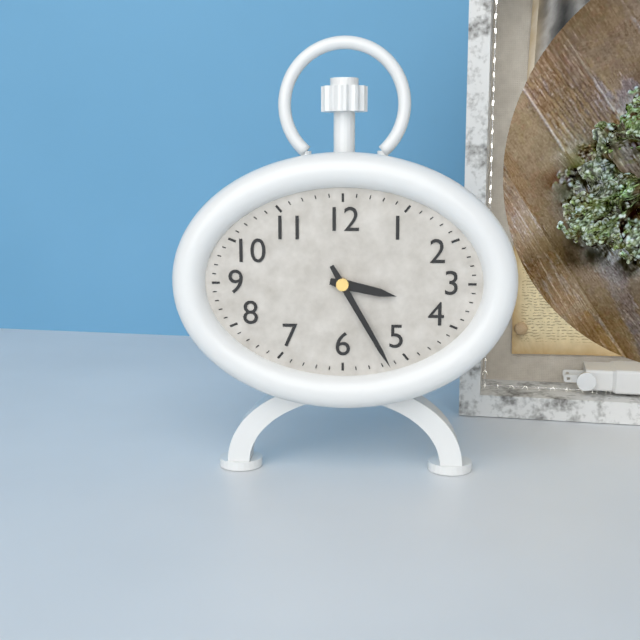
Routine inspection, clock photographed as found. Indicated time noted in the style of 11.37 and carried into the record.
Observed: 3.25
